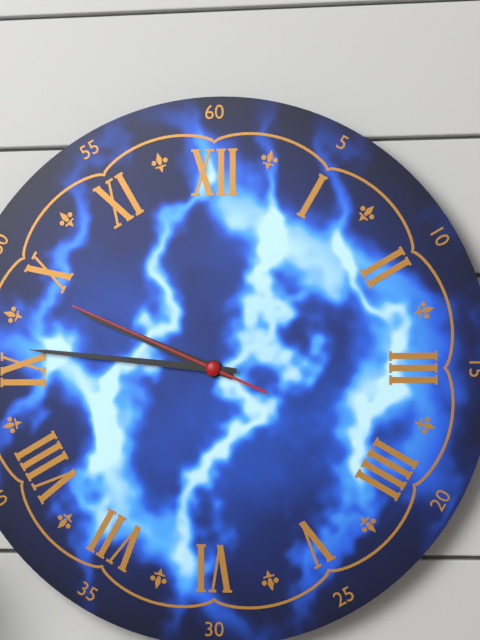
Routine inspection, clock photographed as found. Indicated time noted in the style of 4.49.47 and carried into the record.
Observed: 9.46.49
